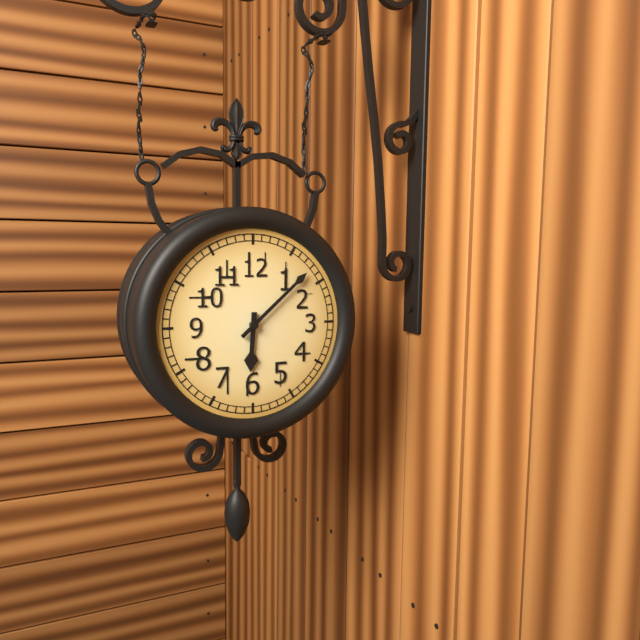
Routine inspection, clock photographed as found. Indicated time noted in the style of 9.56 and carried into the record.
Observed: 6.08
